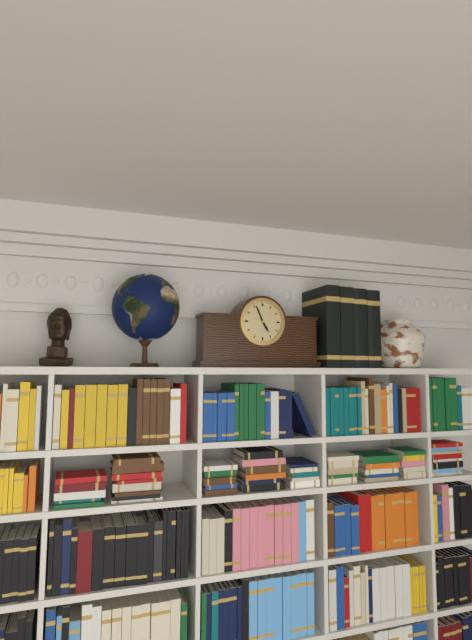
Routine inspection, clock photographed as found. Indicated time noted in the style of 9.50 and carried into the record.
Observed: 4.56
